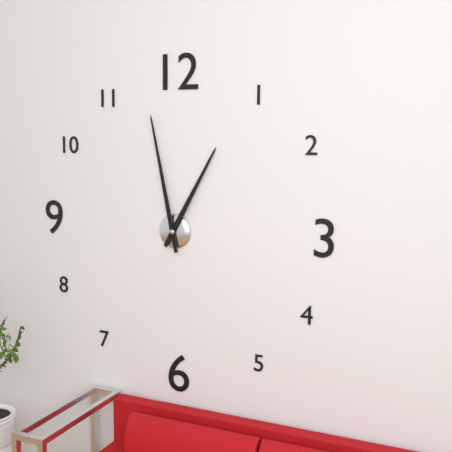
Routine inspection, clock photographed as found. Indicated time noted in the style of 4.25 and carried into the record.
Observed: 12.58
